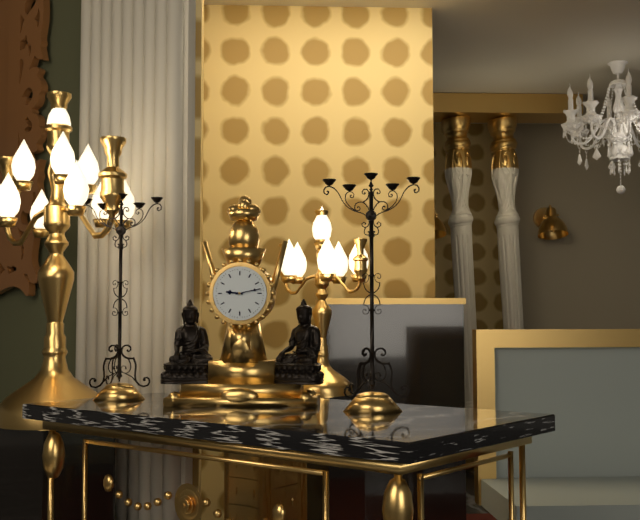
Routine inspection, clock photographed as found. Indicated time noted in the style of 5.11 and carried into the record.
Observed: 9.13
